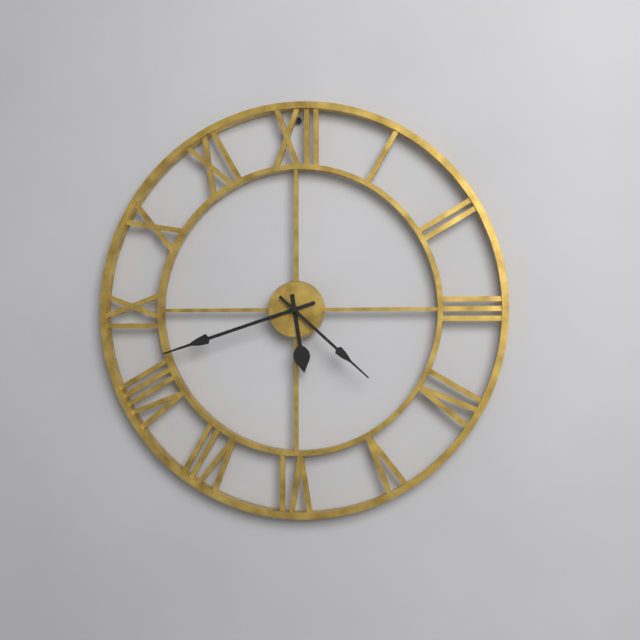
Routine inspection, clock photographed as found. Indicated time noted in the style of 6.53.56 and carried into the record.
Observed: 5.42.22
